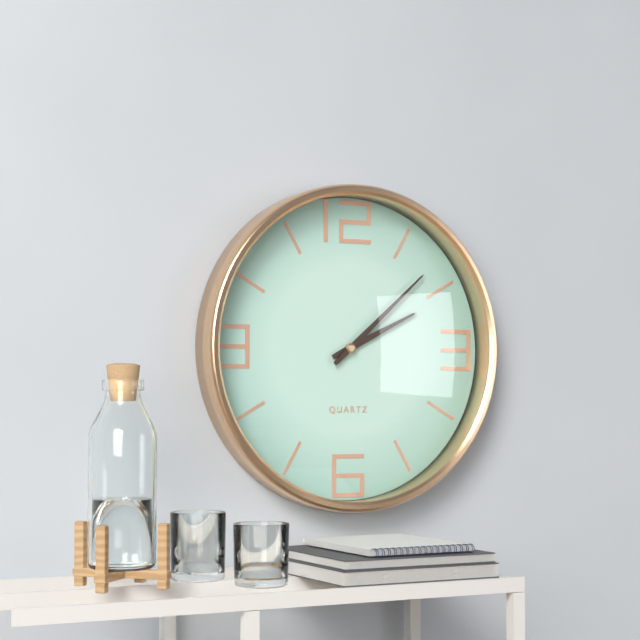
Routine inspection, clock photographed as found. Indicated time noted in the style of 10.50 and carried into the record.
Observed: 2.08
